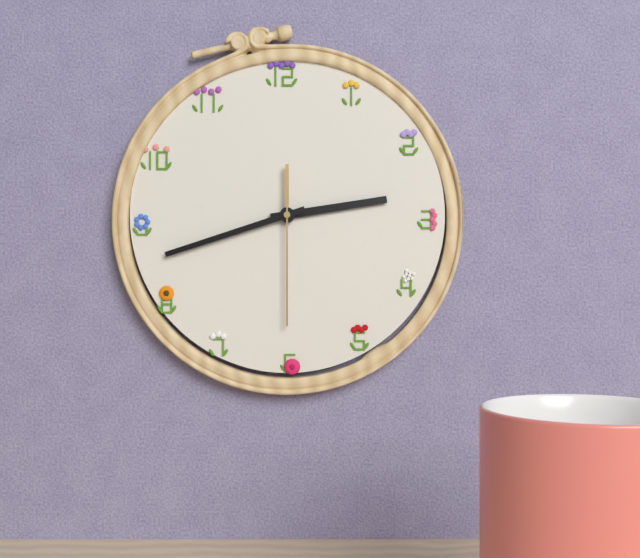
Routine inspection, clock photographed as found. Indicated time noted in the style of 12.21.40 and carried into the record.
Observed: 2.42.30
